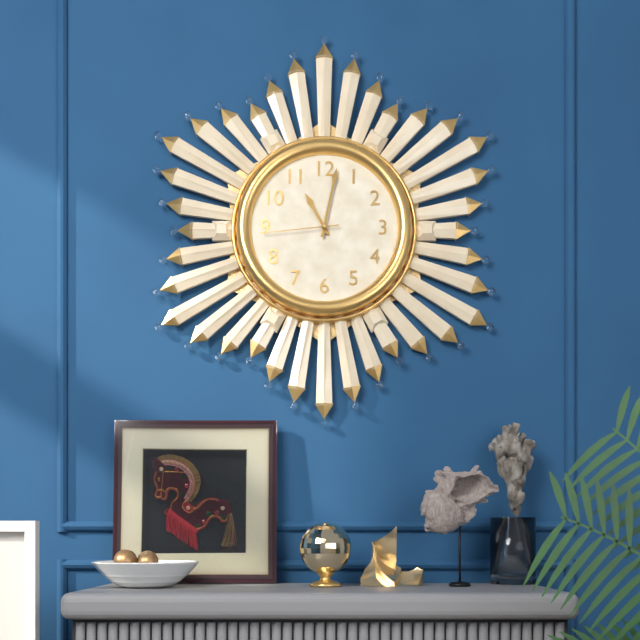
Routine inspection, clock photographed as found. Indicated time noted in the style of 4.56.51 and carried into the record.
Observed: 11.02.44
